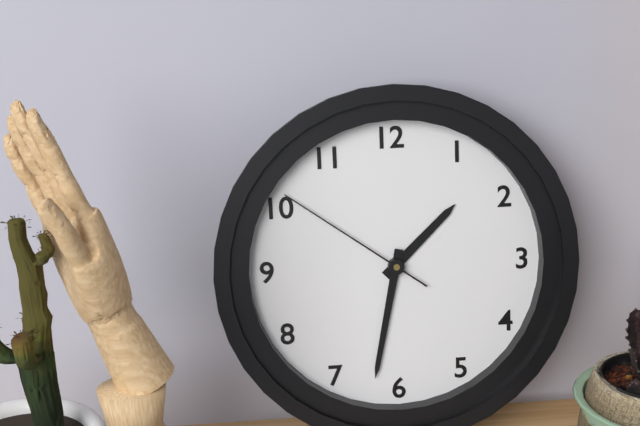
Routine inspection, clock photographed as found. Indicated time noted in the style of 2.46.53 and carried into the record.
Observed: 1.32.51
